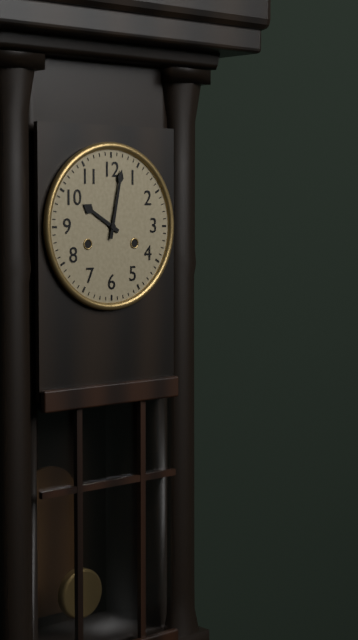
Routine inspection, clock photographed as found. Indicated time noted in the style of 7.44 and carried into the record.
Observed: 10.02
